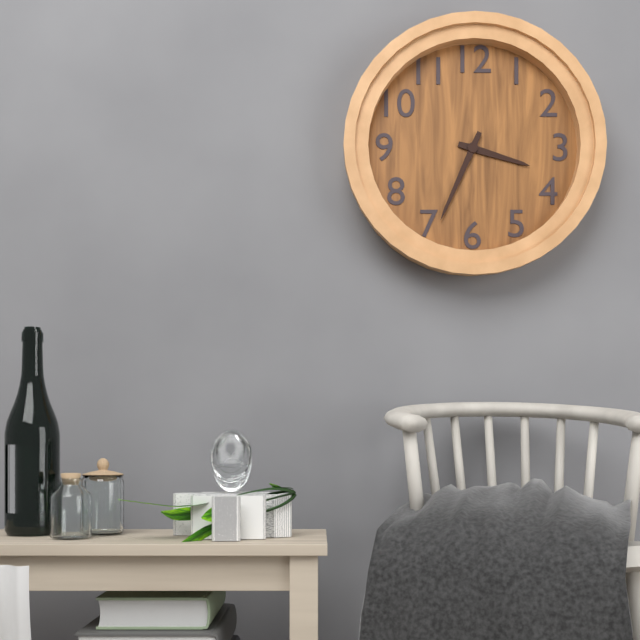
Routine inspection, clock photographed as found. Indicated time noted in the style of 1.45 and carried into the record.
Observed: 3.34
